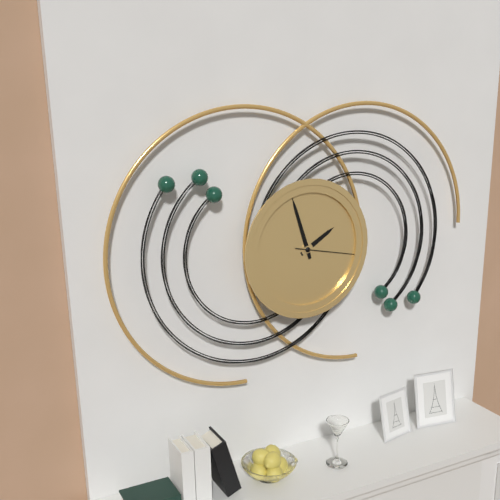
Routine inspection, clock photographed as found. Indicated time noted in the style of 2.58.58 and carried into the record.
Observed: 1.57.17
